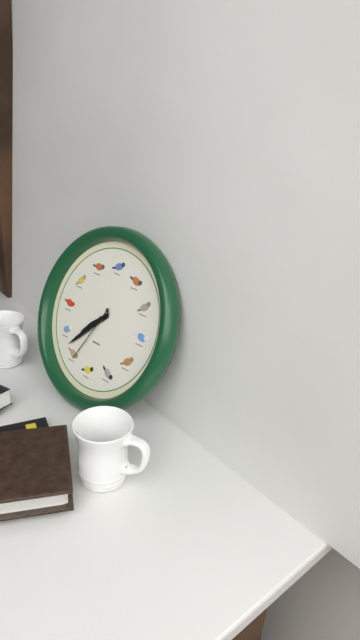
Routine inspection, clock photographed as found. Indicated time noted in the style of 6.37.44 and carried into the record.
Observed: 7.37.34
